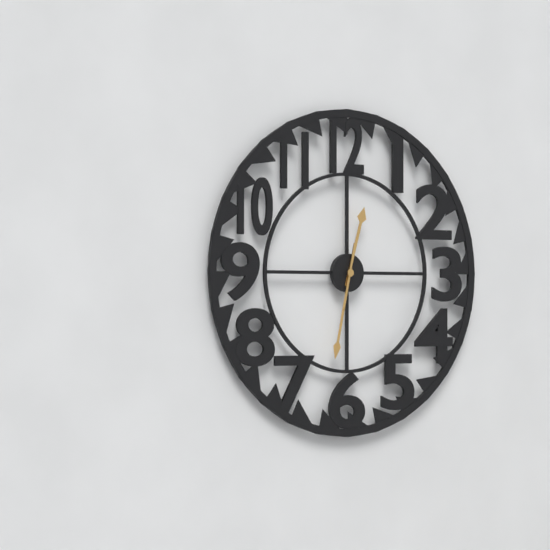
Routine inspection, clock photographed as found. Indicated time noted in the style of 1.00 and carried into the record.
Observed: 12.32
